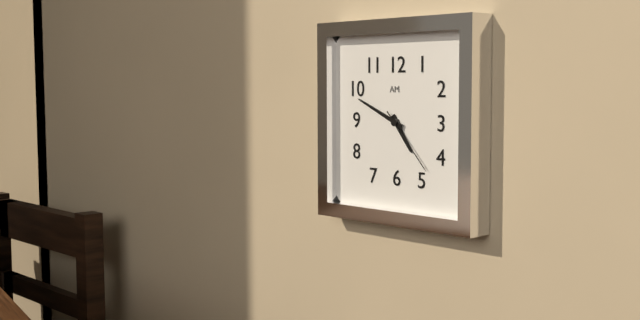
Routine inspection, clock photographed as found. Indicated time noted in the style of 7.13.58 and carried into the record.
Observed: 4.49.23
